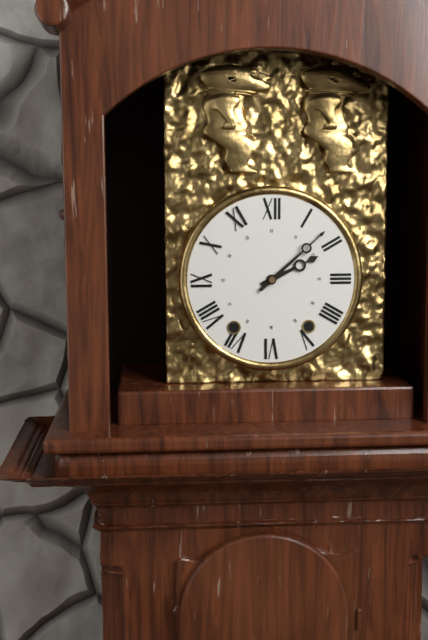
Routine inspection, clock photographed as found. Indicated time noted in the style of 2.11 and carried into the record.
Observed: 2.08
